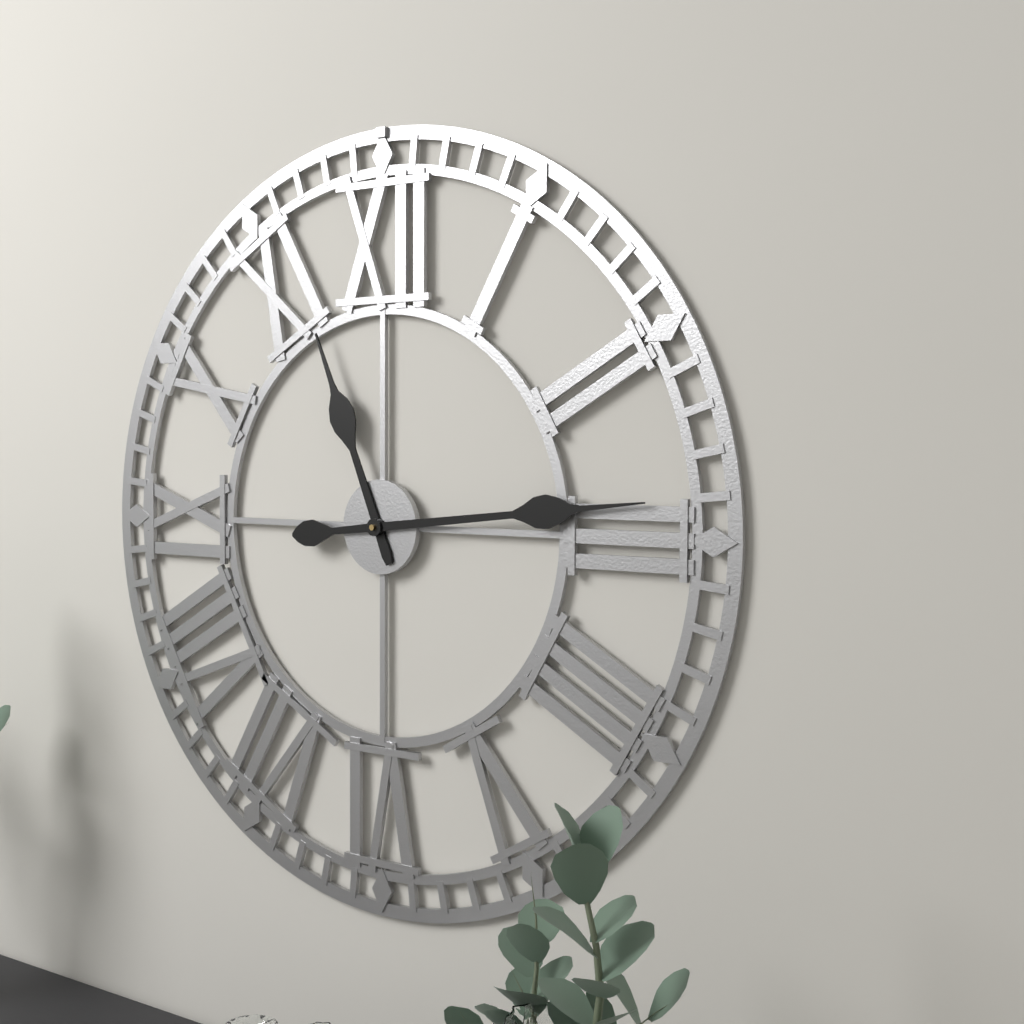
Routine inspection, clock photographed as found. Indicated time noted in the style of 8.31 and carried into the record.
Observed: 11.14
